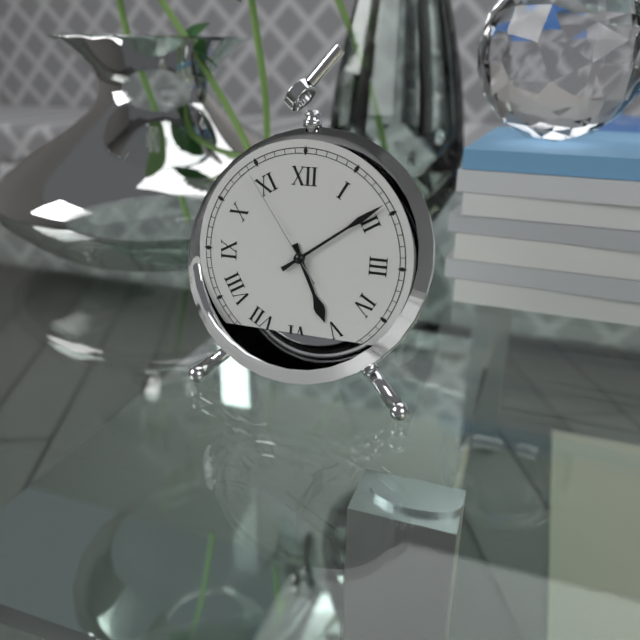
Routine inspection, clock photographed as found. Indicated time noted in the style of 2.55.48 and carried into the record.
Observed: 5.09.54
